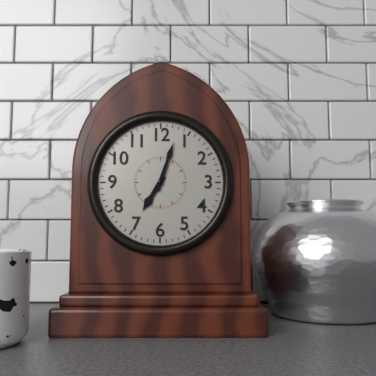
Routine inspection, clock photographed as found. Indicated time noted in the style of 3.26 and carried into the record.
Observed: 7.03
